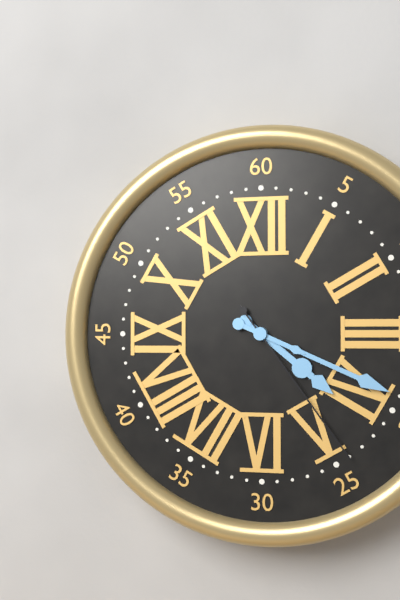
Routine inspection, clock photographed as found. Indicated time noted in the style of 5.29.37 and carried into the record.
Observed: 4.19.24
